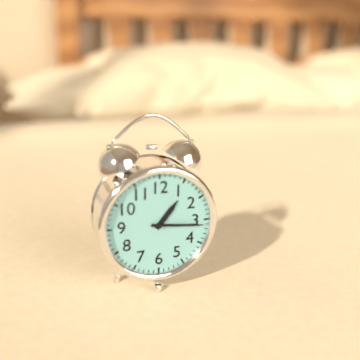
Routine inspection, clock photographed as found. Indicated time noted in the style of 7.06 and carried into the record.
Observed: 1.16
